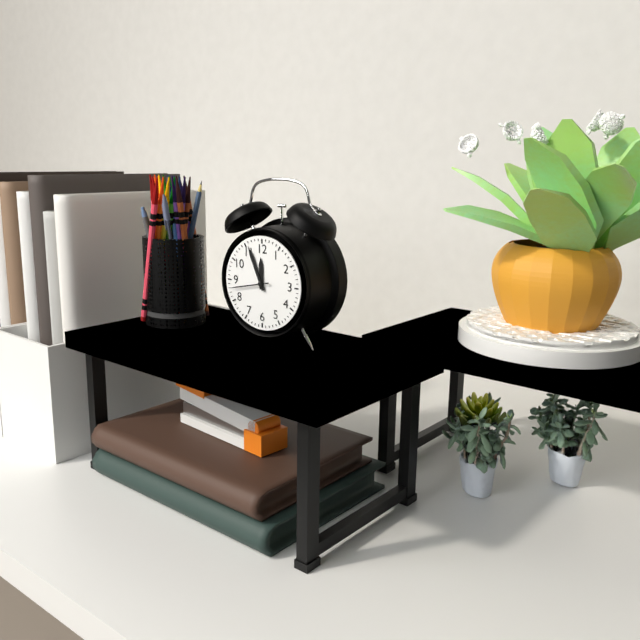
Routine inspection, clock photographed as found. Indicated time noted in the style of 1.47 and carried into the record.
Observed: 11.56
